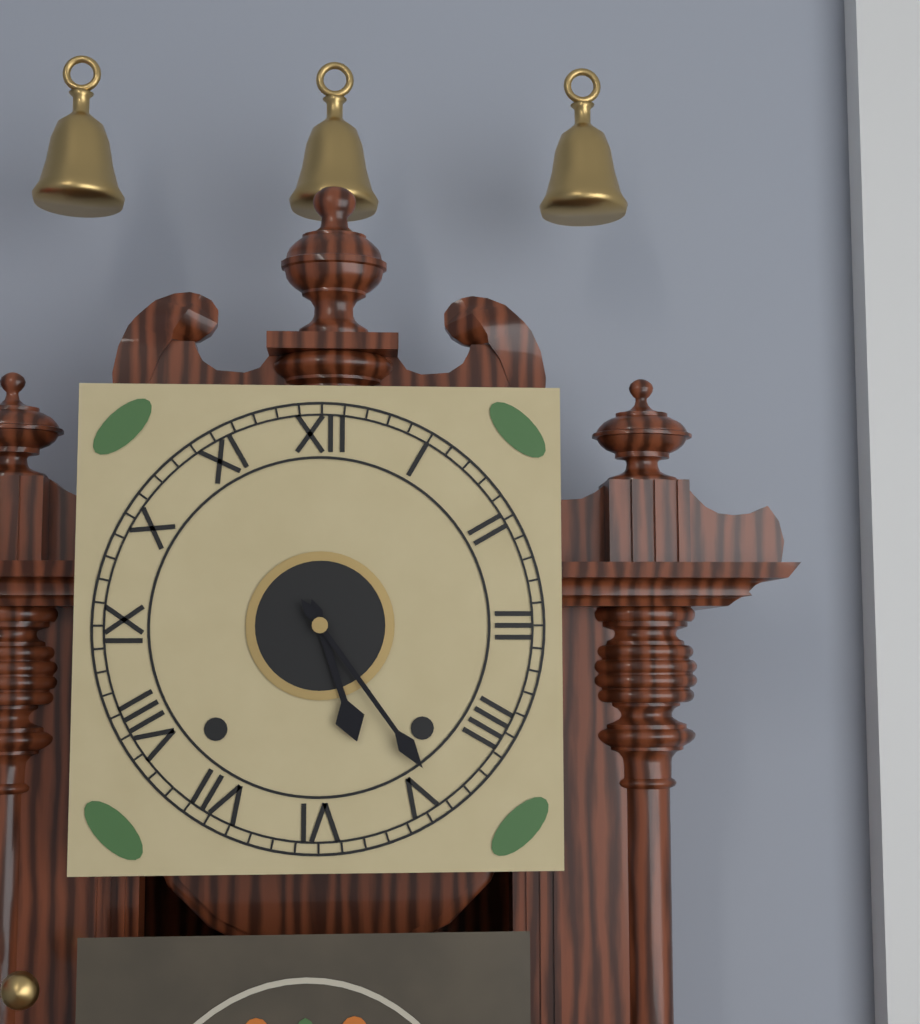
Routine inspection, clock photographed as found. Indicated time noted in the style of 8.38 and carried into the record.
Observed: 5.24
